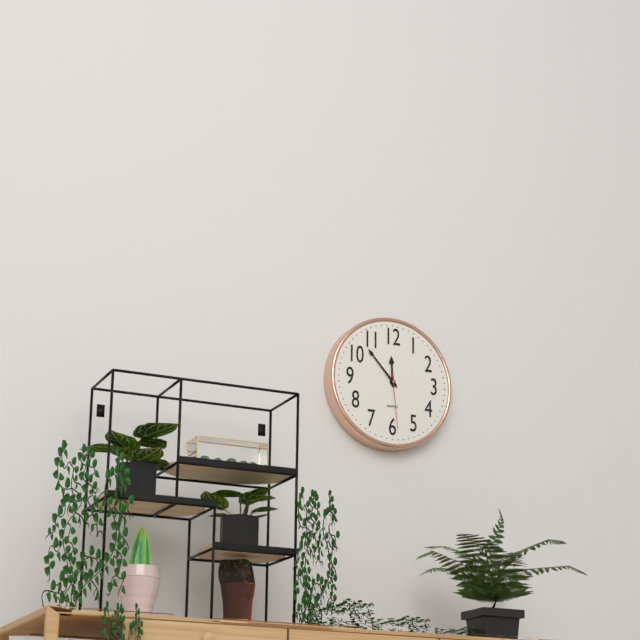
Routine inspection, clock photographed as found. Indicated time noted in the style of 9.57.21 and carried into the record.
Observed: 11.53.29
